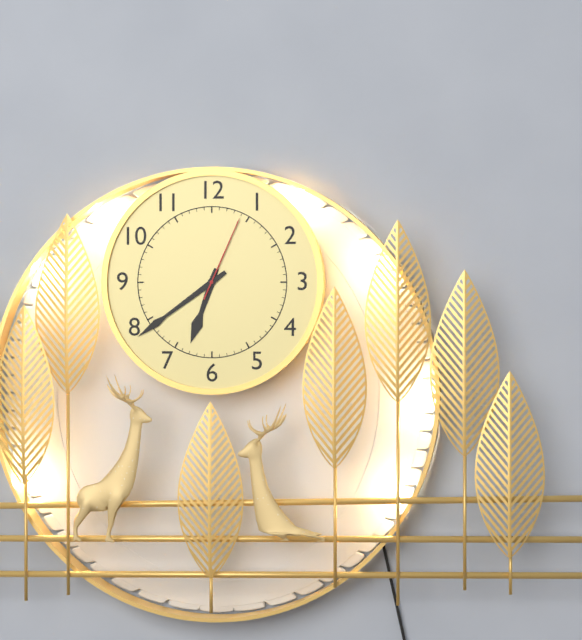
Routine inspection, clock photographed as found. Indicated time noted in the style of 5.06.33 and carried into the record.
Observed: 6.39.04
